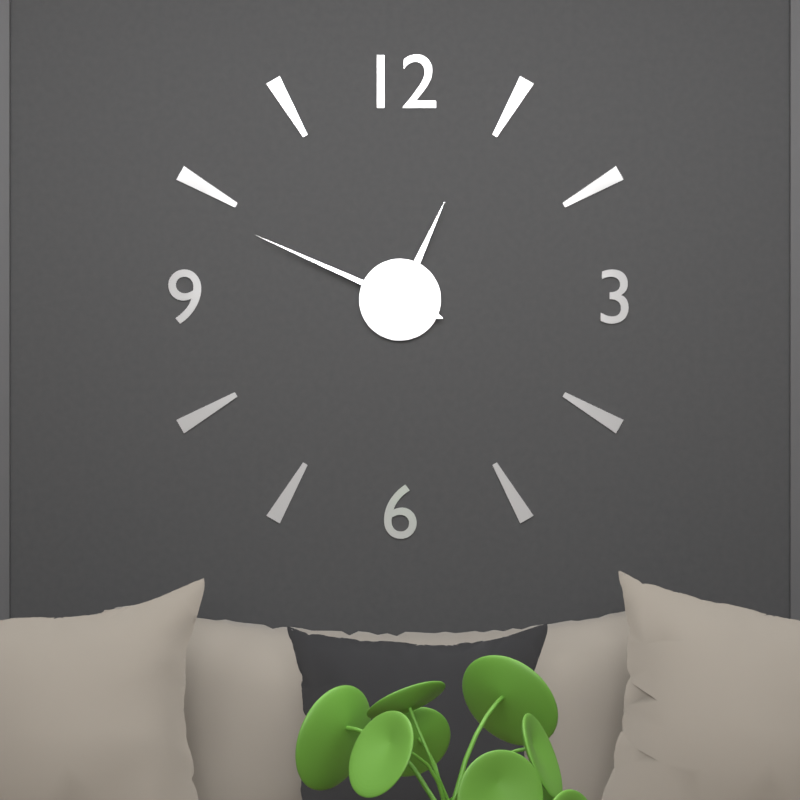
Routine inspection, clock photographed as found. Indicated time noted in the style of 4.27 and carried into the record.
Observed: 12.49
